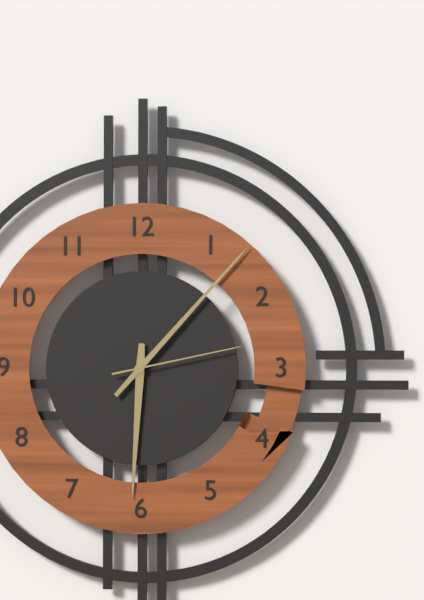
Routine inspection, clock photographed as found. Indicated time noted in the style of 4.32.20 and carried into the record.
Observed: 6.07.13
